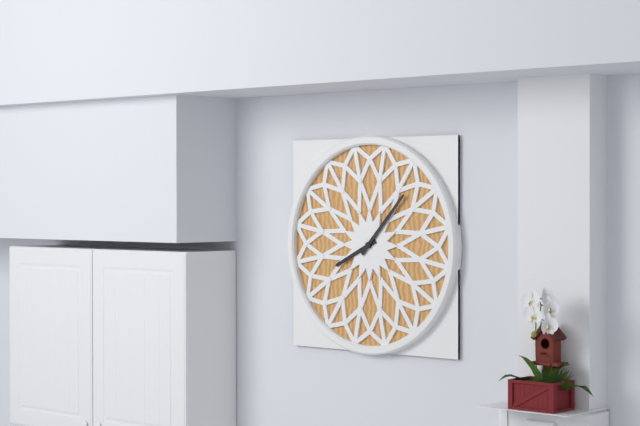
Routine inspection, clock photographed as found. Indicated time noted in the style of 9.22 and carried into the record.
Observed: 8.07
